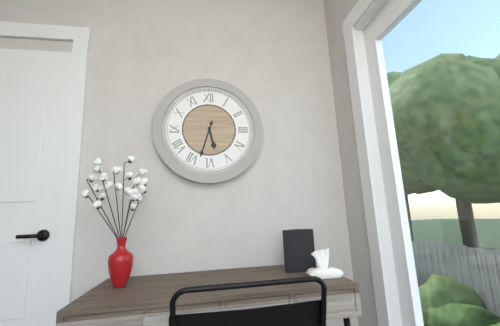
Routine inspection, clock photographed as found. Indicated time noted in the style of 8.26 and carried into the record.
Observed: 5.33
